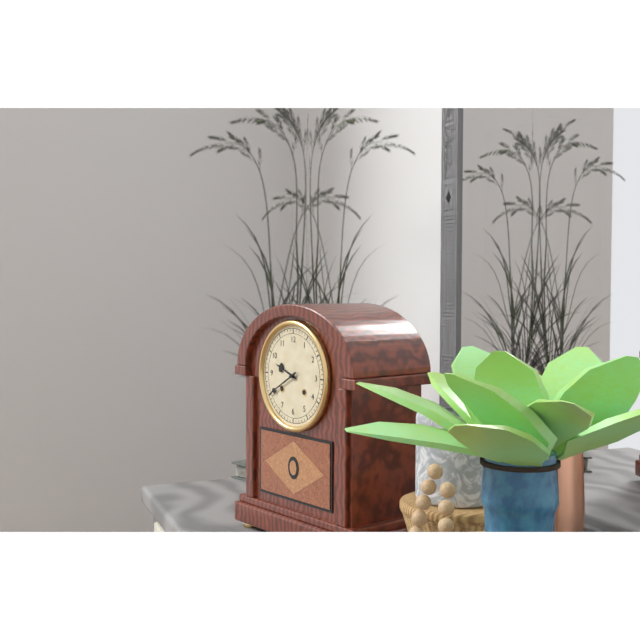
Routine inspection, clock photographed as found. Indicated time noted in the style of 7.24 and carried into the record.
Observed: 9.40
